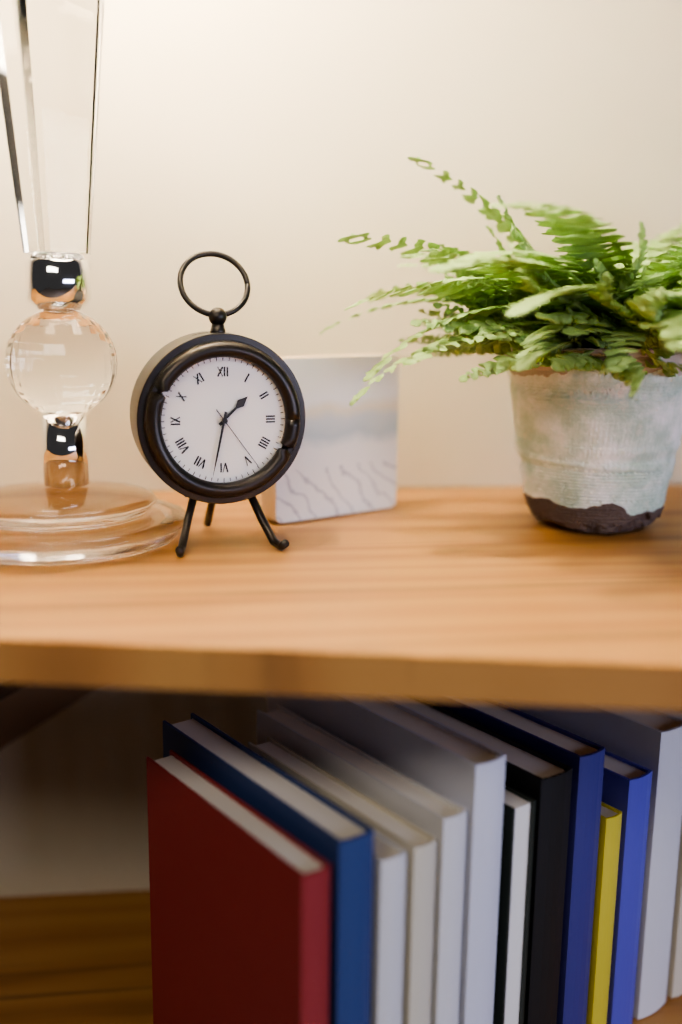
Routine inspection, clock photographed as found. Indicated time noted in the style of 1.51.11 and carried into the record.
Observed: 1.32.24
